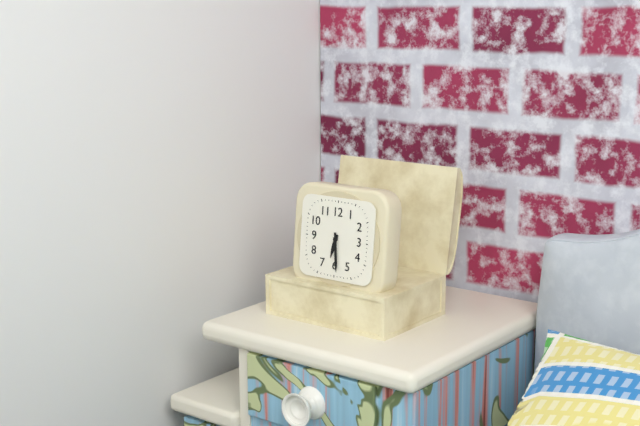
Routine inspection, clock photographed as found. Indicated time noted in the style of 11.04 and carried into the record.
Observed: 6.29
